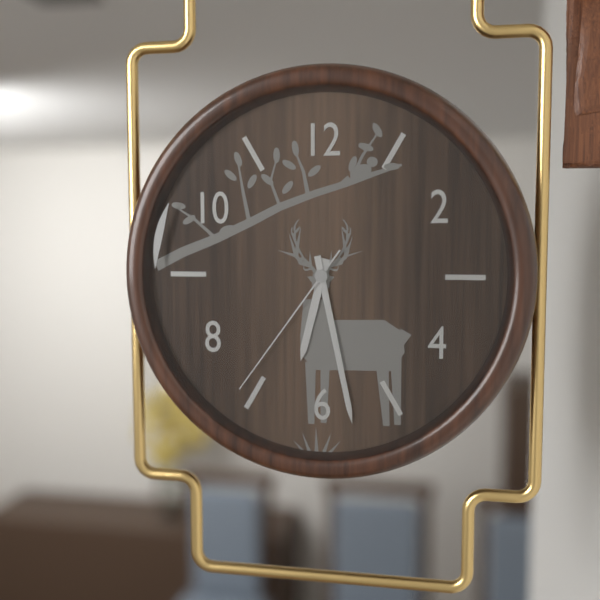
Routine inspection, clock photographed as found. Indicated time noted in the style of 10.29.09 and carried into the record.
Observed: 6.28.36
